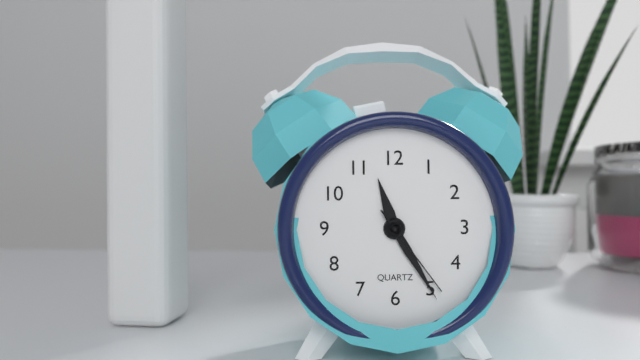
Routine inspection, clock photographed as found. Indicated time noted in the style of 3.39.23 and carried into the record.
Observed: 11.25.24
